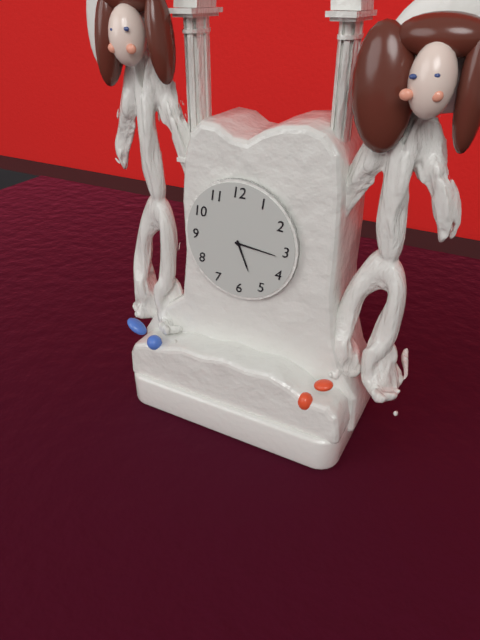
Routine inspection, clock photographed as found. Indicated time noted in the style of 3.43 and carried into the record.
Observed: 5.16
